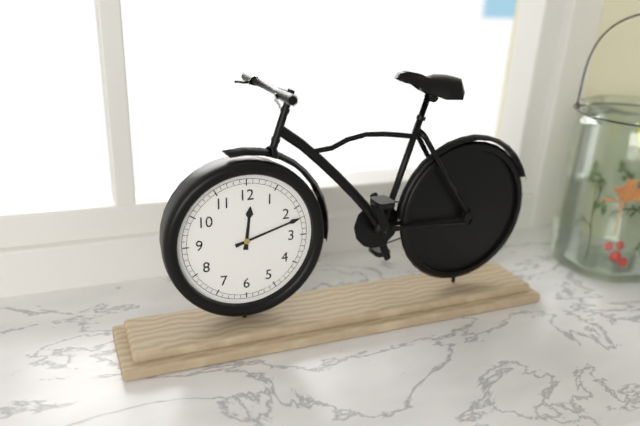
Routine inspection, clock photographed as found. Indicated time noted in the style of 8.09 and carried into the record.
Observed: 12.12
